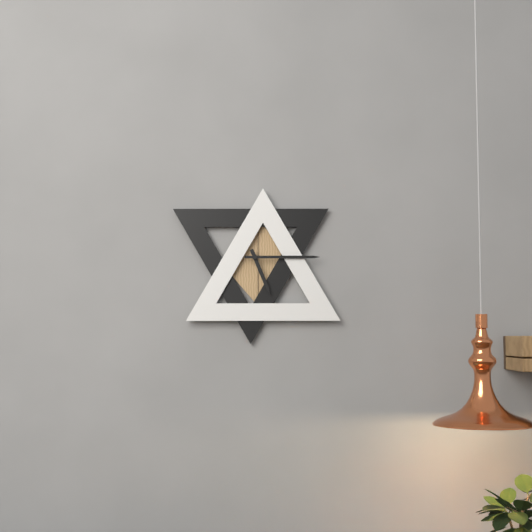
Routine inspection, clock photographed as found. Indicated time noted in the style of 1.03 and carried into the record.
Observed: 5.15
